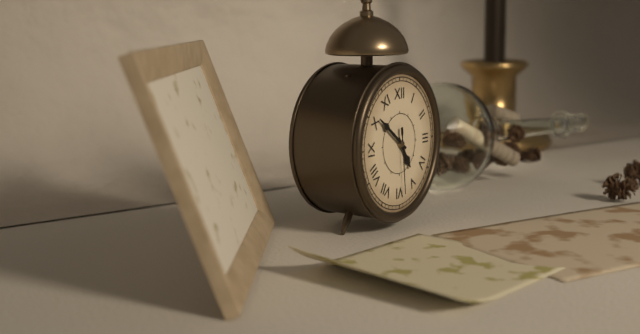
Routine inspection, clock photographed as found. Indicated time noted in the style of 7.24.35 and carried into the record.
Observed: 4.51.29
